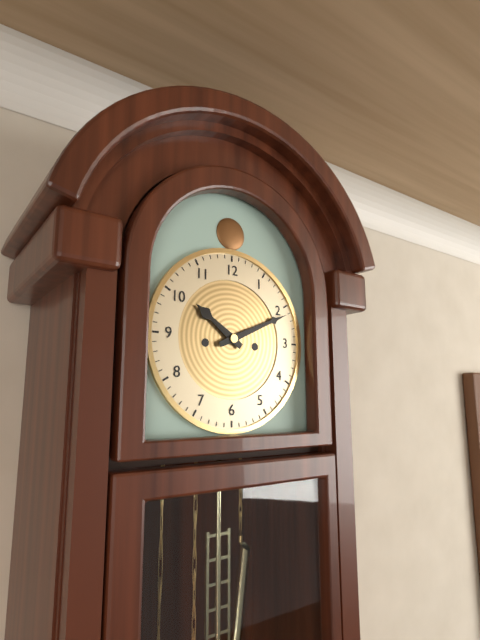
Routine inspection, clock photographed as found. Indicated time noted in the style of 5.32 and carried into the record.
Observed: 10.11
